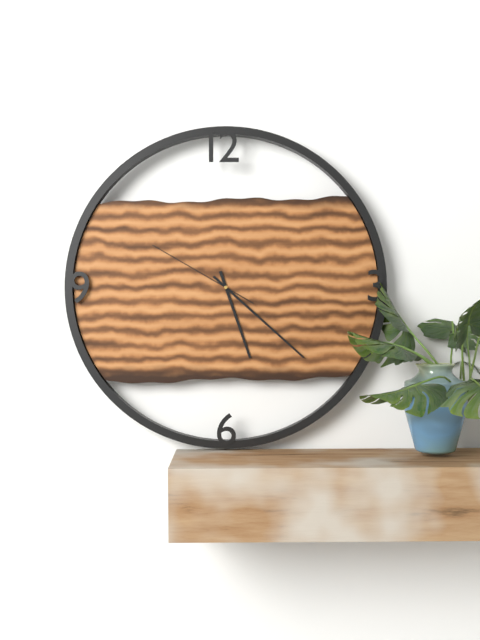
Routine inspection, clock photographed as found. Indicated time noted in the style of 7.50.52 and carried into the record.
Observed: 5.22.50
